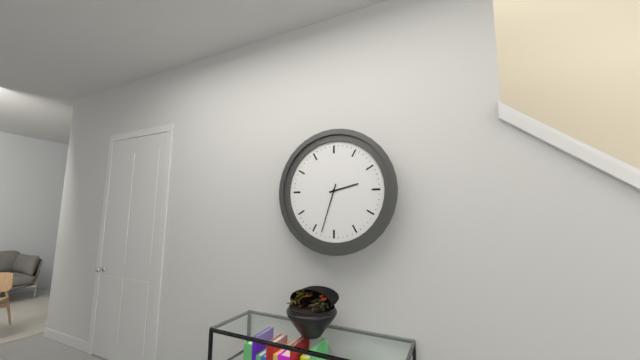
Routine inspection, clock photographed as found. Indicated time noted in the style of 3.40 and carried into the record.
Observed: 2.33
